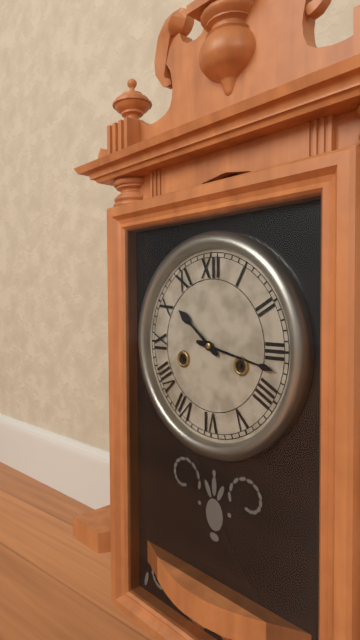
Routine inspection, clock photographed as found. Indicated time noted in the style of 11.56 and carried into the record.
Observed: 10.17
